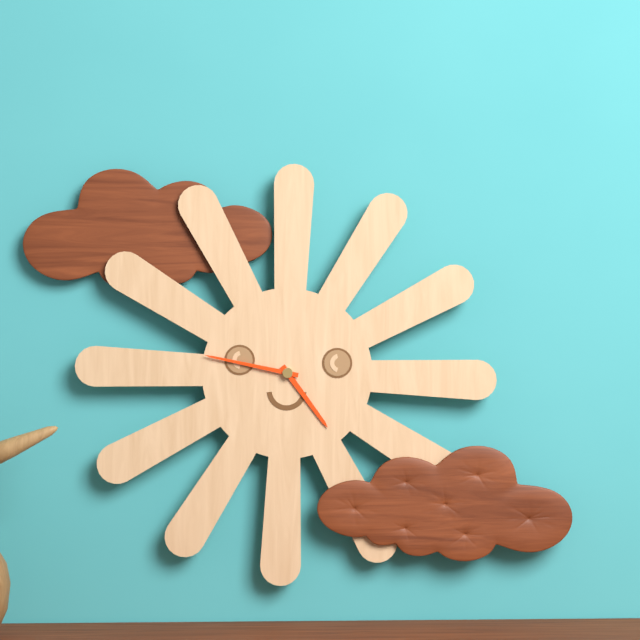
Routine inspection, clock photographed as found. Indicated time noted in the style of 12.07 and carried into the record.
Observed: 4.47
